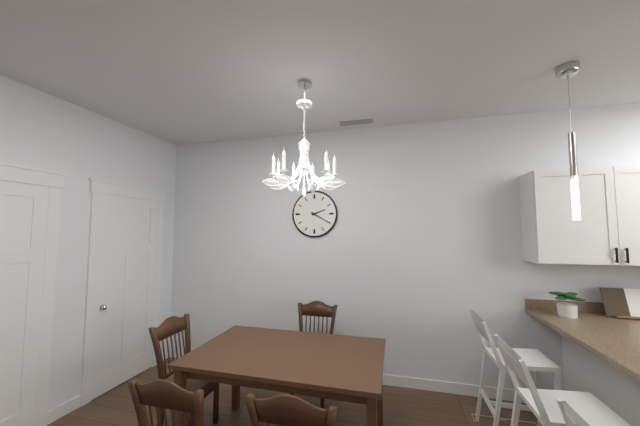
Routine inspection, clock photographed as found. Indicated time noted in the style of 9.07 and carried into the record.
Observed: 2.20
